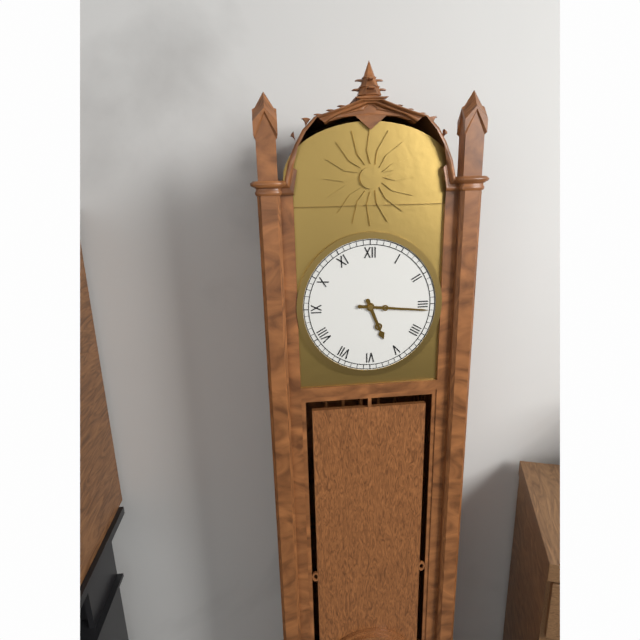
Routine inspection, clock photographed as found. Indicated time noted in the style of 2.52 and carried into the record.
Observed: 5.16
